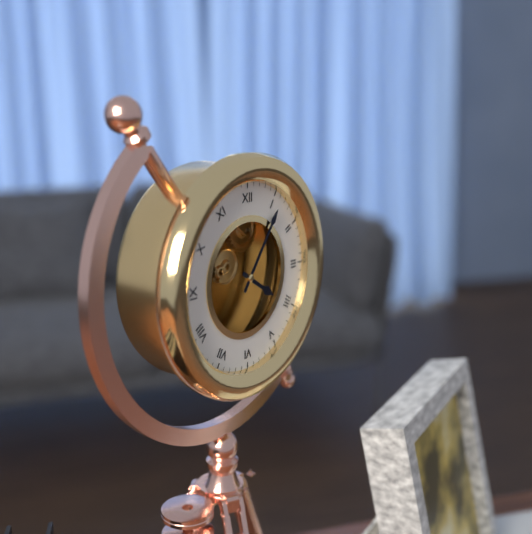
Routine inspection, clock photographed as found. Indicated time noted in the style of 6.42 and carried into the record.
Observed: 4.06
